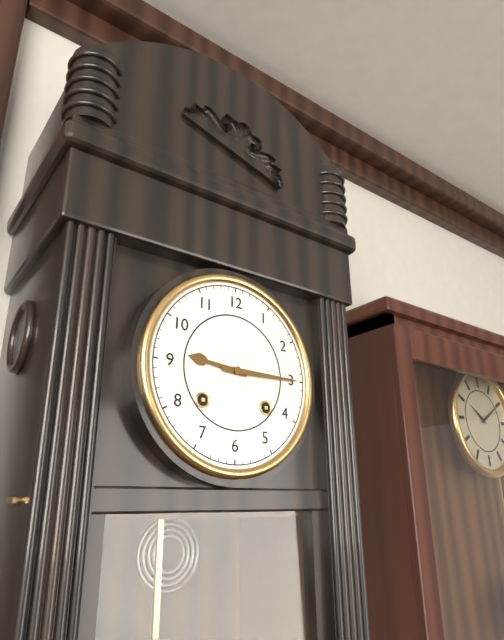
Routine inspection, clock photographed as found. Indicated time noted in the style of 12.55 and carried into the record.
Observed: 9.15
